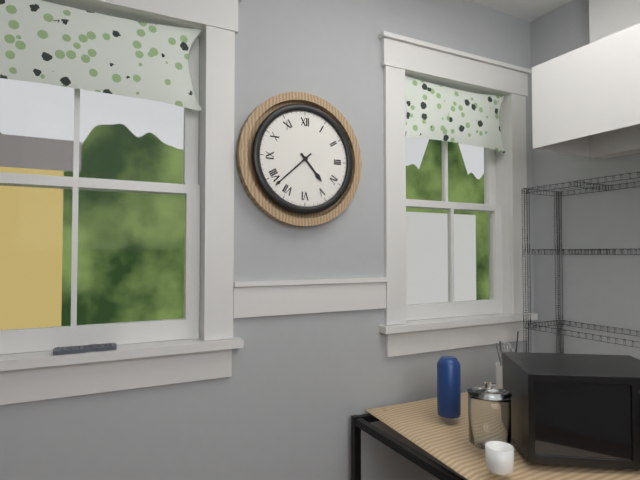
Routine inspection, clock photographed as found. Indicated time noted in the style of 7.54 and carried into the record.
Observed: 4.38
